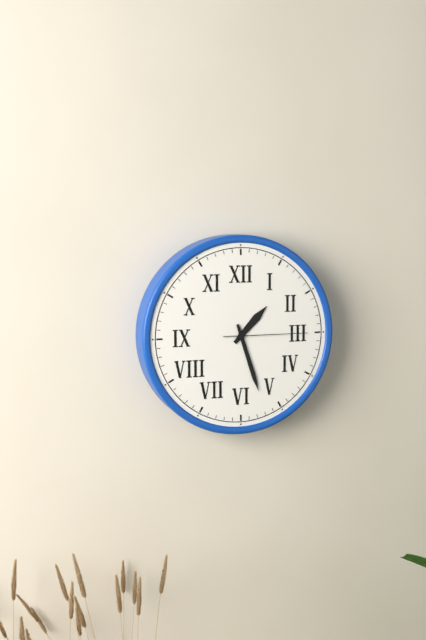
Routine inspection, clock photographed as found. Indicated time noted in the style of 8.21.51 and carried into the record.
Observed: 1.27.15
